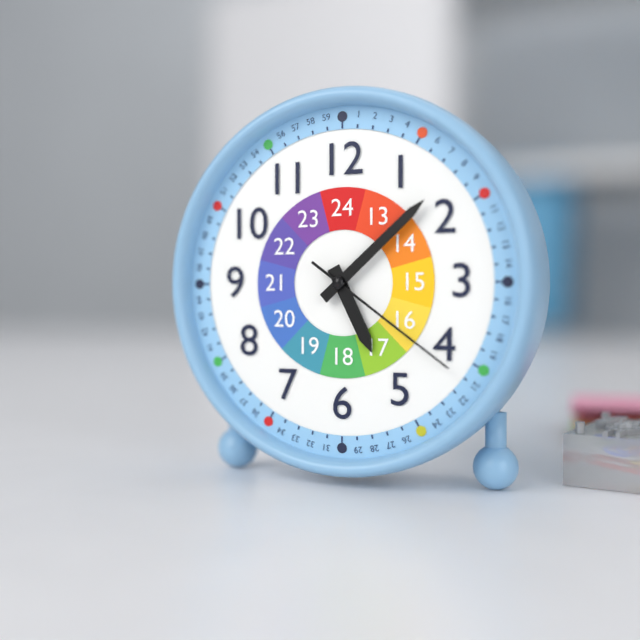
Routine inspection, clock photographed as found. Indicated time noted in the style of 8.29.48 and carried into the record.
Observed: 5.08.21
